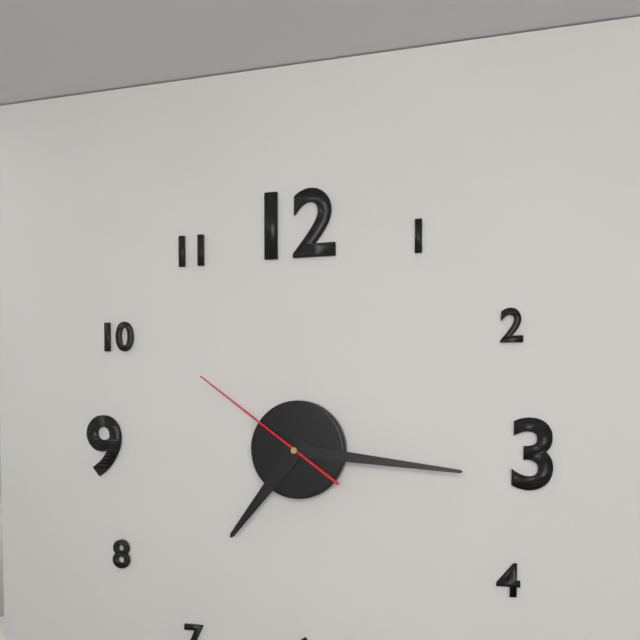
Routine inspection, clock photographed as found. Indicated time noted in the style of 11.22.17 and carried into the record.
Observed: 7.16.51
